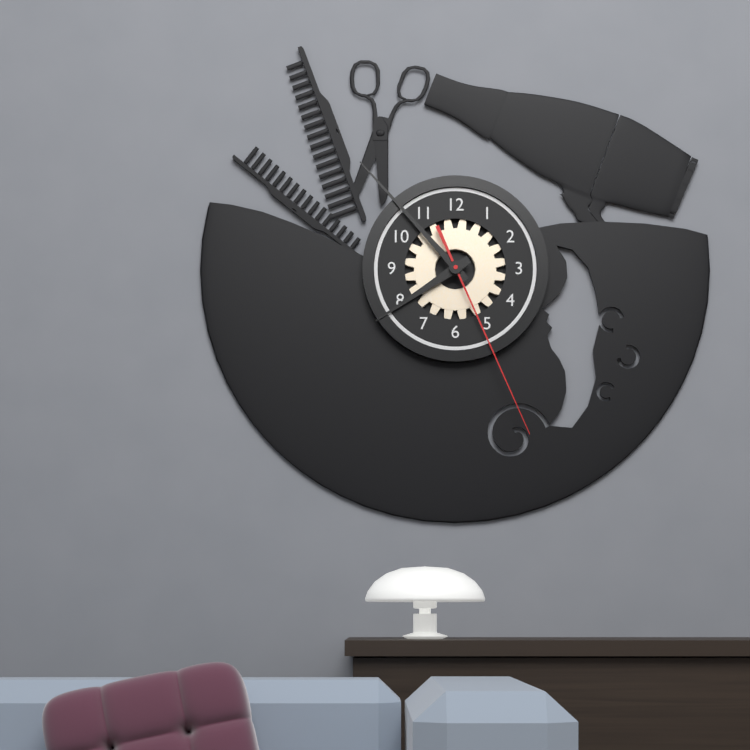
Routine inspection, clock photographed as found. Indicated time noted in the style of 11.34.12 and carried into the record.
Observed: 7.53.26
